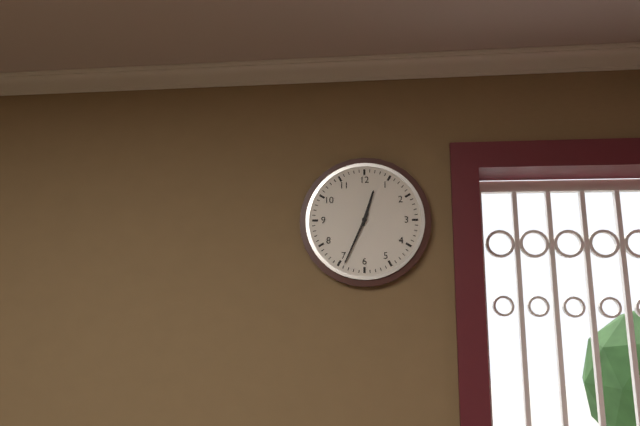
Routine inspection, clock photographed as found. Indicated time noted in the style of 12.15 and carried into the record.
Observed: 12.34
